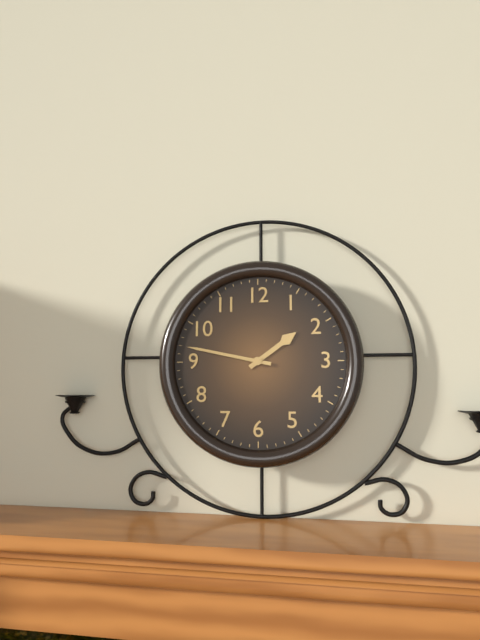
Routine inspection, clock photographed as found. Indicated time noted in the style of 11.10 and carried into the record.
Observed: 1.47
